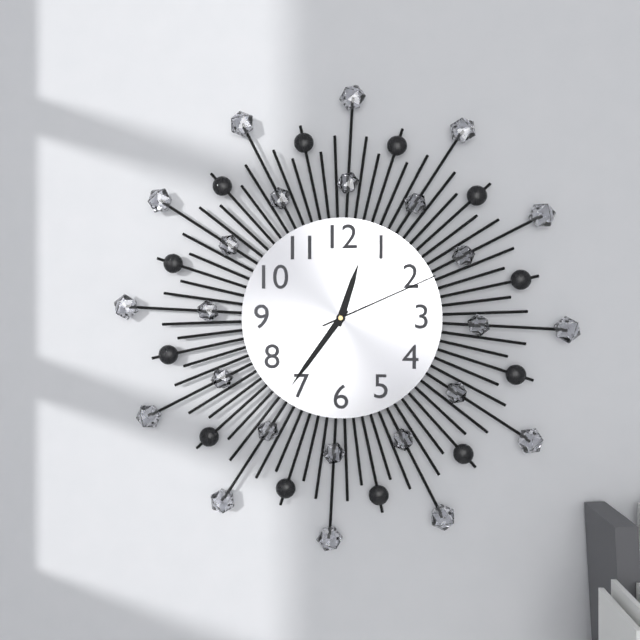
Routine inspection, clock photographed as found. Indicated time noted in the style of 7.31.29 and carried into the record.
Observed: 12.36.11
